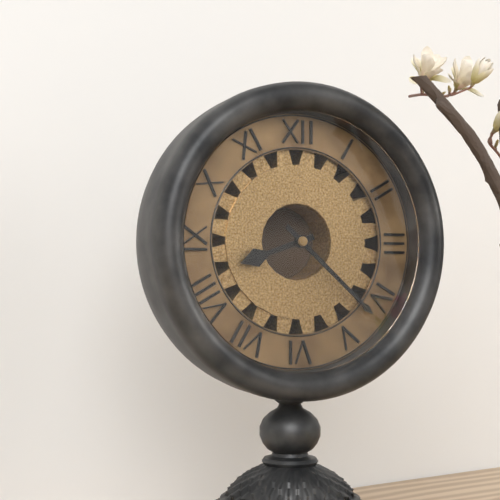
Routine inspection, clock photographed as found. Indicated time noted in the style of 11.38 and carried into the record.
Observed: 8.22
